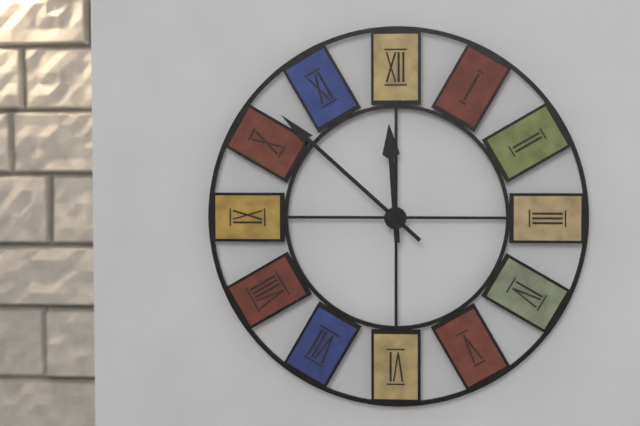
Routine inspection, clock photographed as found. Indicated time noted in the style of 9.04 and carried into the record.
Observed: 11.52
